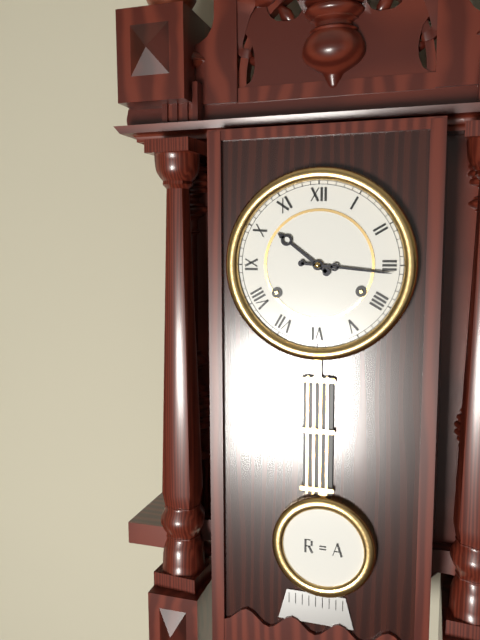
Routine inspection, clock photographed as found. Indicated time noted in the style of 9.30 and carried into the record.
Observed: 10.16
